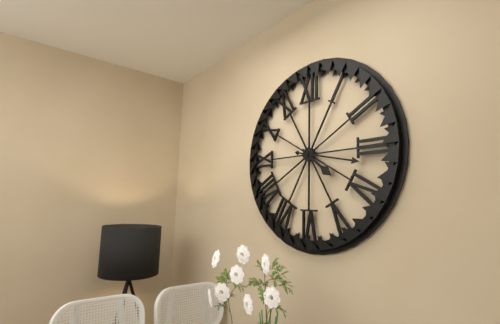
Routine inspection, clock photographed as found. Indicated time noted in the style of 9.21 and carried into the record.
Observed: 4.17
